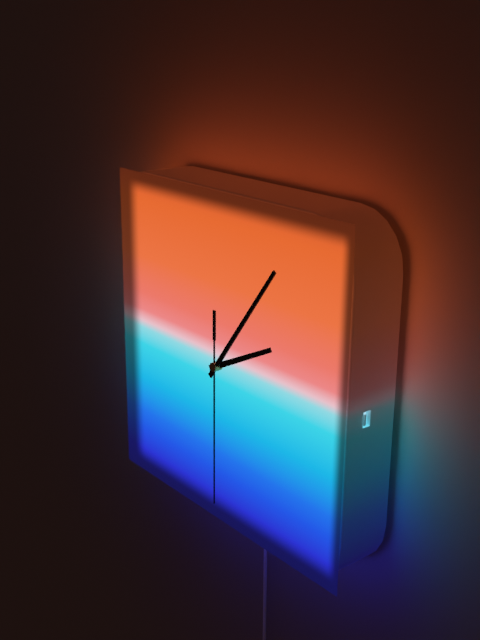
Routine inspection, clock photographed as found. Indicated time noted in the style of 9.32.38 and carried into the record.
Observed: 2.06.30
